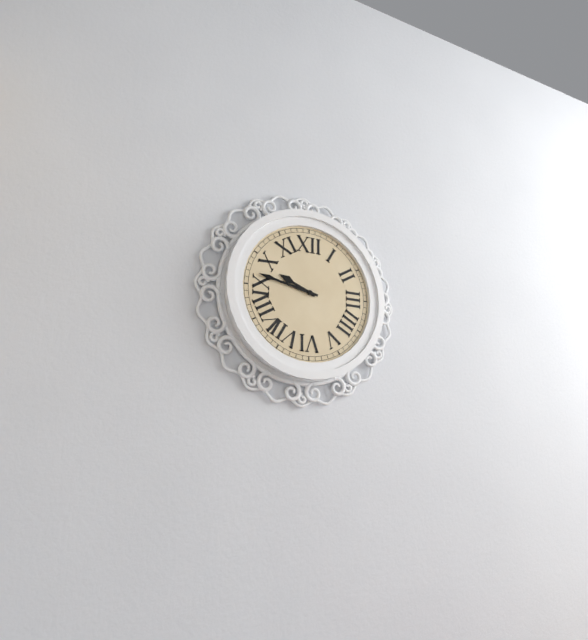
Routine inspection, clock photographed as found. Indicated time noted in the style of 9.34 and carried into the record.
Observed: 9.47
